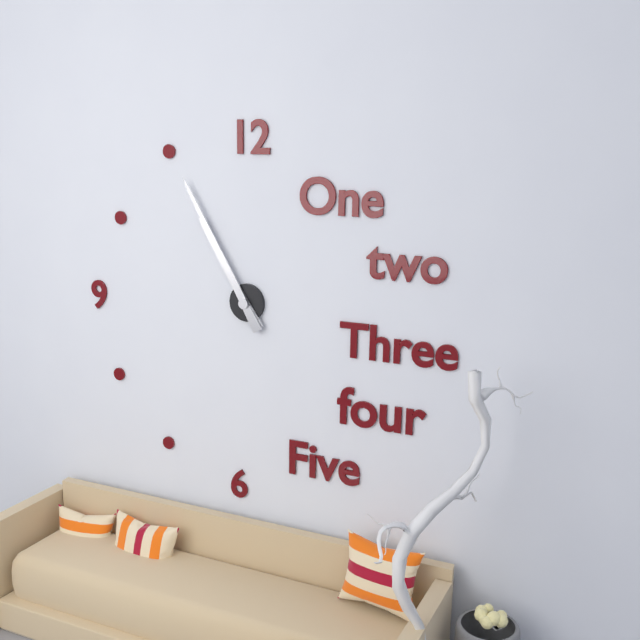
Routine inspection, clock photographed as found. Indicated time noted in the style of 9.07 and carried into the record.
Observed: 10.55
